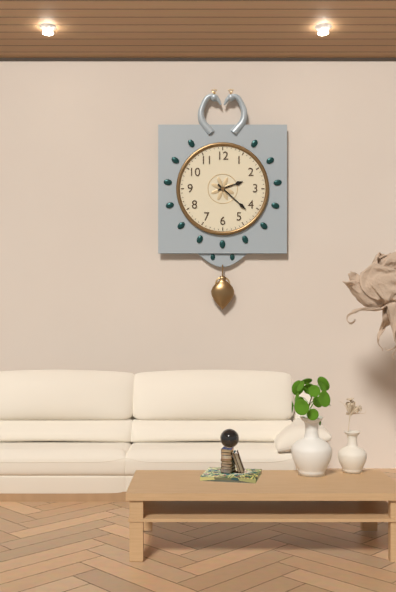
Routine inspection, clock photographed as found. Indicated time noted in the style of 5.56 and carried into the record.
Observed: 2.22
